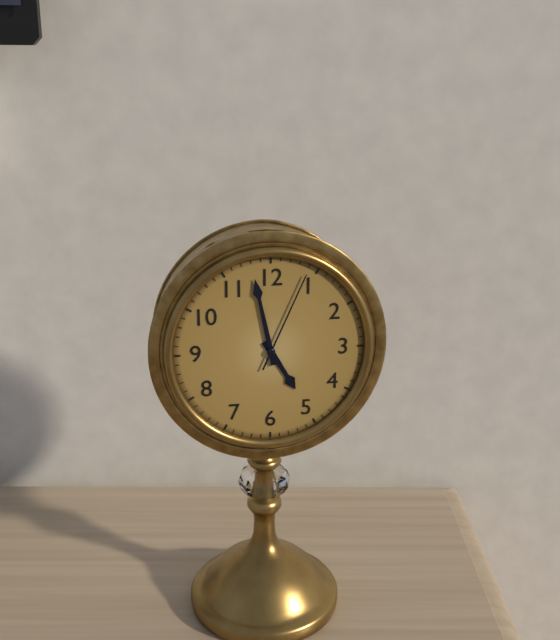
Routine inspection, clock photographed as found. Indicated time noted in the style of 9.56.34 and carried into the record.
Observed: 4.58.04
